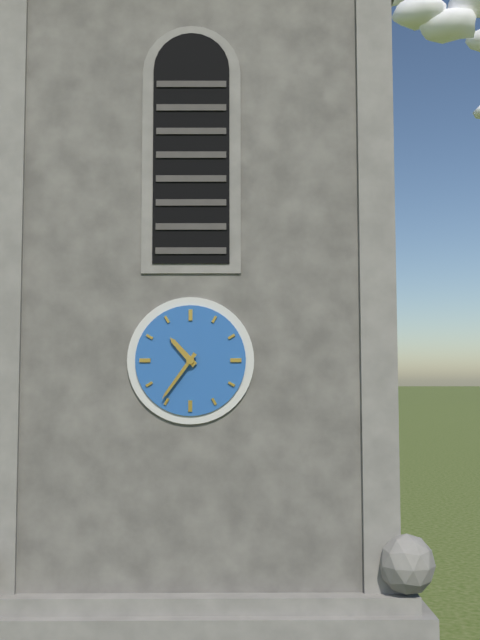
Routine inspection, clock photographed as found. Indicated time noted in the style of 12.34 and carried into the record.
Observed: 10.36
